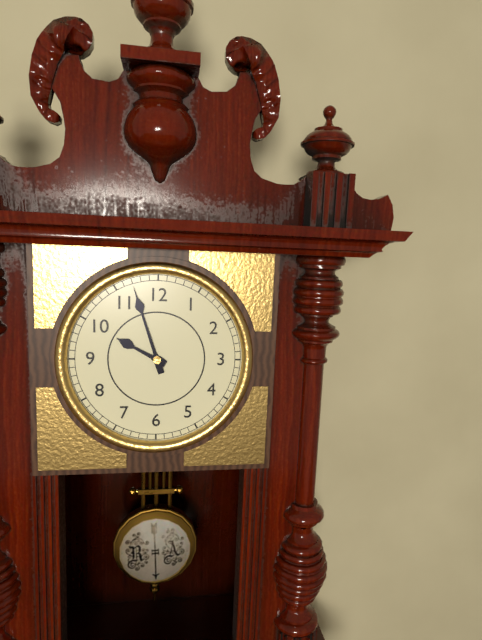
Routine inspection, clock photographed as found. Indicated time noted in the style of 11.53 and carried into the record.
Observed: 9.57
